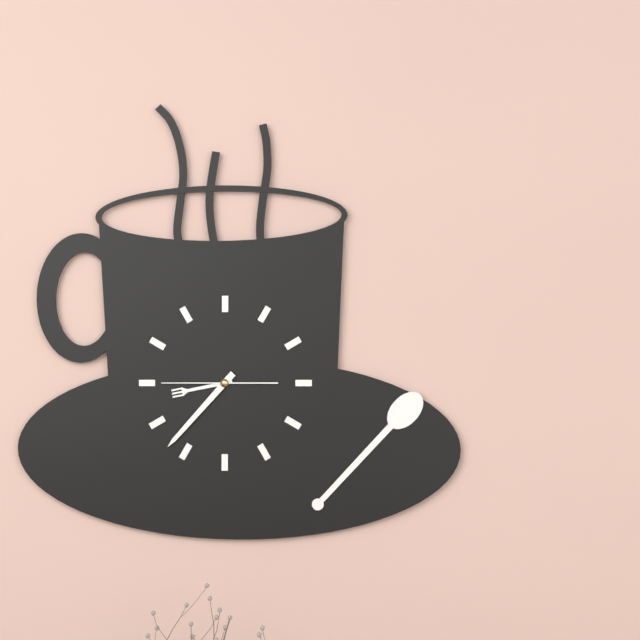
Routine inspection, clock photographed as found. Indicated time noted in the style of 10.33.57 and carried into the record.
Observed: 8.37.45
